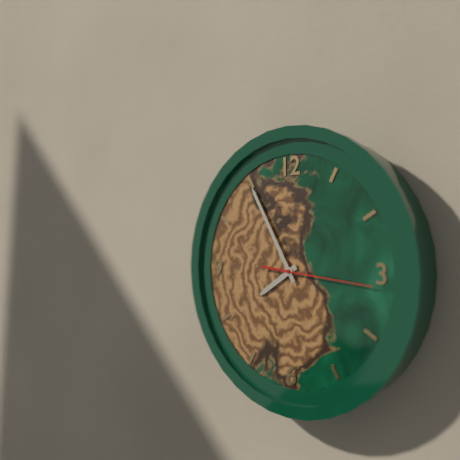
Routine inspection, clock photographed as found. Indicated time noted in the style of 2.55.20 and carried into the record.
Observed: 7.55.16
